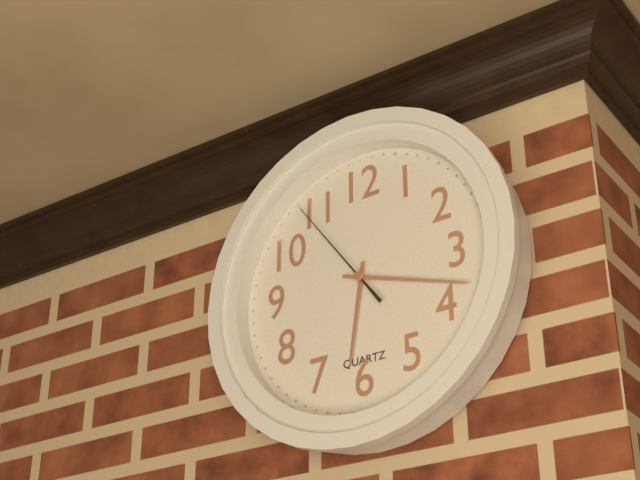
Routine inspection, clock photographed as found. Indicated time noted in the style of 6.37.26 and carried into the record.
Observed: 6.18.54
